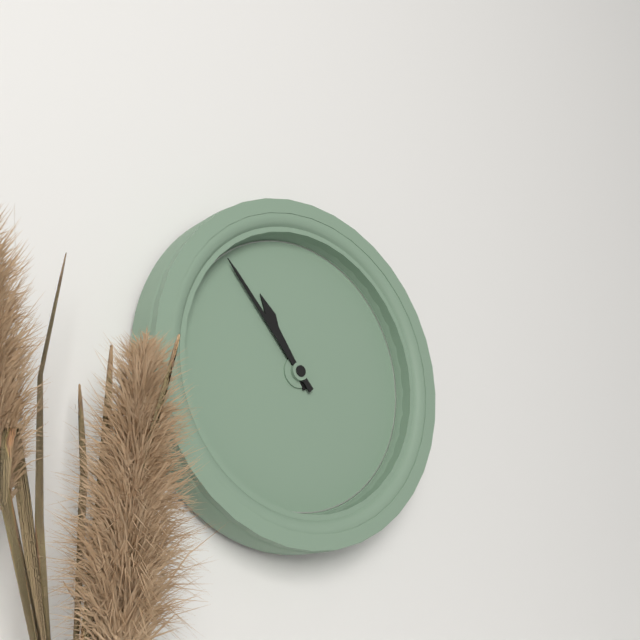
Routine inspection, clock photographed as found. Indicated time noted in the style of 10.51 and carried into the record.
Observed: 10.53
